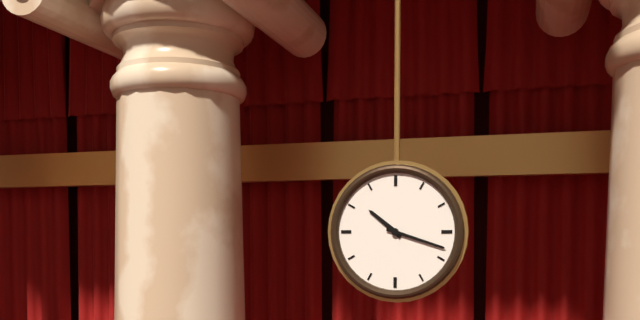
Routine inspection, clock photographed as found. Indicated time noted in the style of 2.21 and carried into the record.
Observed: 10.18
